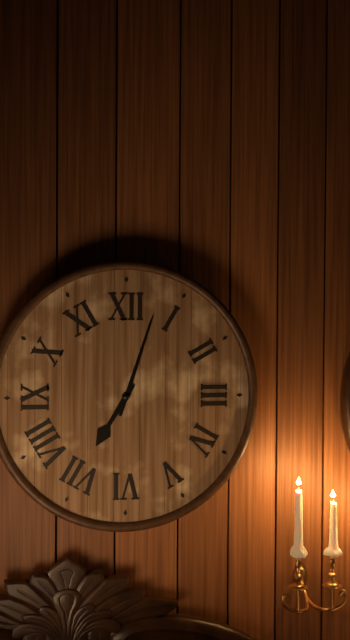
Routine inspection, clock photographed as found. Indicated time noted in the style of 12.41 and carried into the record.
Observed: 7.03
